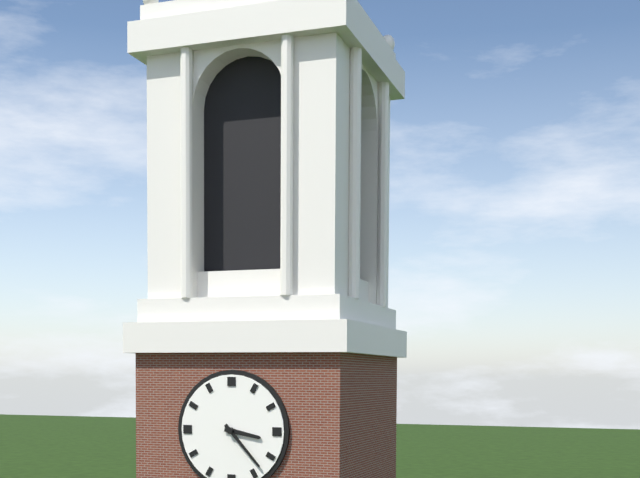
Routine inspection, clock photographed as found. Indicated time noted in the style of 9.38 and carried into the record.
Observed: 3.23
